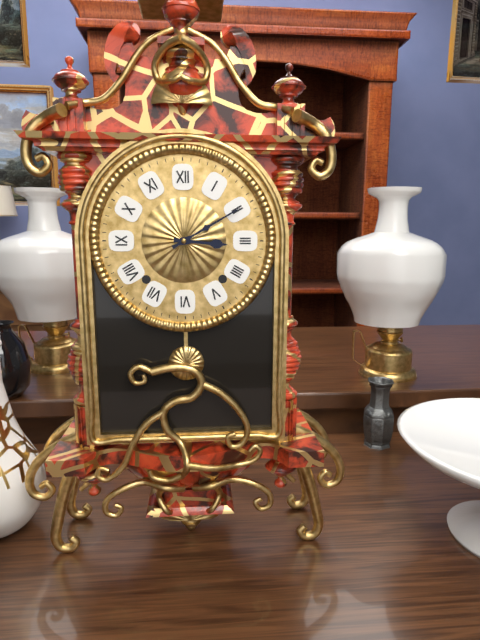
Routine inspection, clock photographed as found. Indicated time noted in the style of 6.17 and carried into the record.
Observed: 3.10
